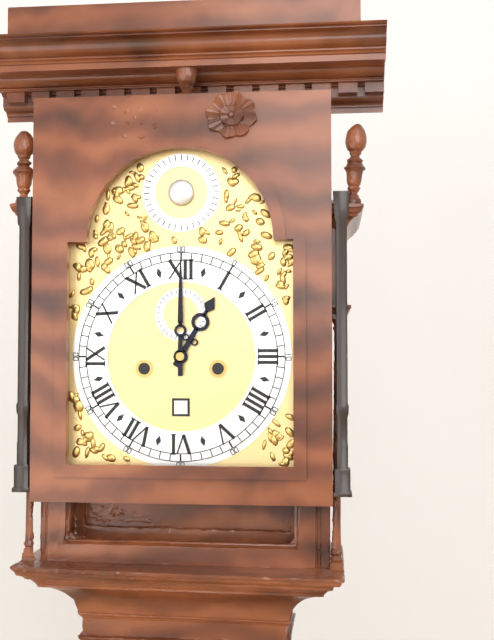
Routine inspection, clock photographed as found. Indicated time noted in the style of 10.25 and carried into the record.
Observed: 1.00
